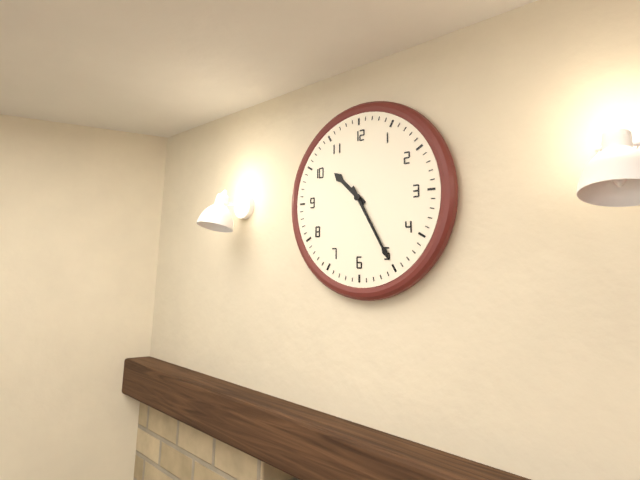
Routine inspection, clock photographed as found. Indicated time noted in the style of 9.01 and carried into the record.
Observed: 10.25
